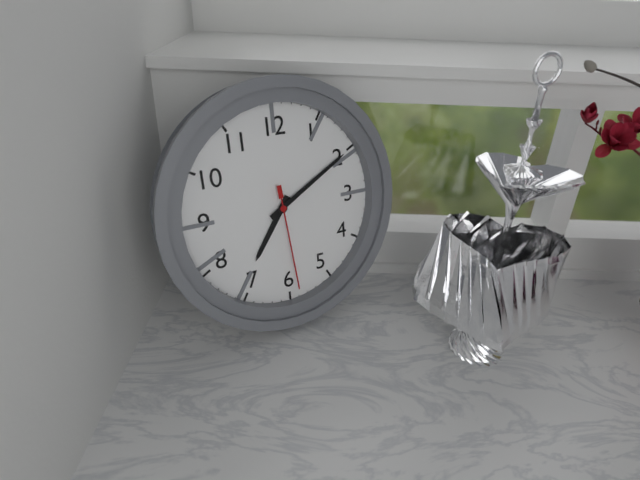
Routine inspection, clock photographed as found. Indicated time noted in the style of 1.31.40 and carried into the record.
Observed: 7.10.29
